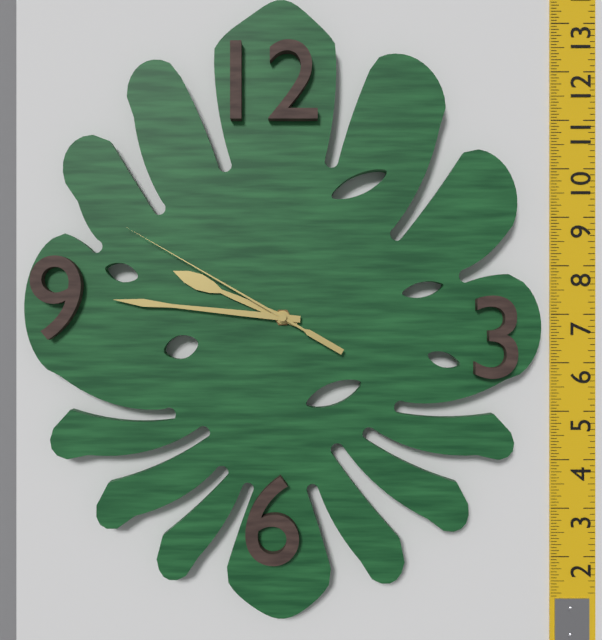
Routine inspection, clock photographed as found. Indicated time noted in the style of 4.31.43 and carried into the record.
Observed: 9.46.50
